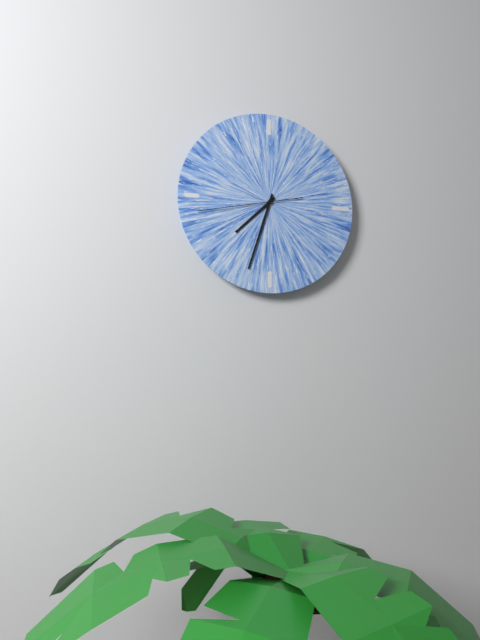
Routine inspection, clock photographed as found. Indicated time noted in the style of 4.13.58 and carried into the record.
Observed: 7.33.43
